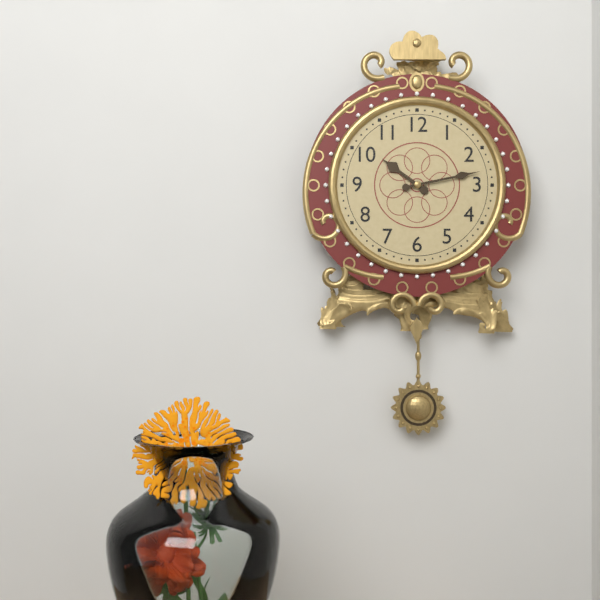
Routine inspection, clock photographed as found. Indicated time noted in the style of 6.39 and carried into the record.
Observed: 10.13
